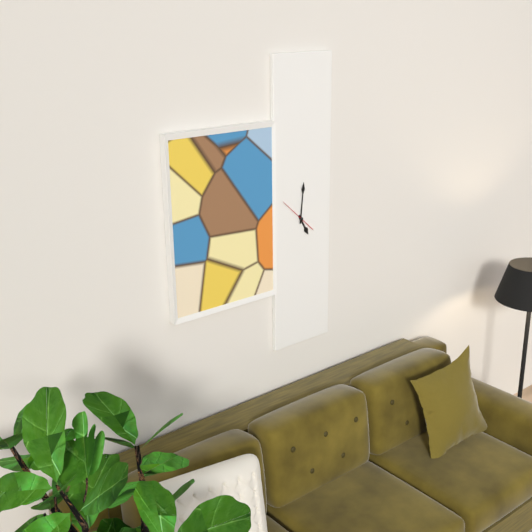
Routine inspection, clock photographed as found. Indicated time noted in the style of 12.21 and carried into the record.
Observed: 5.01
